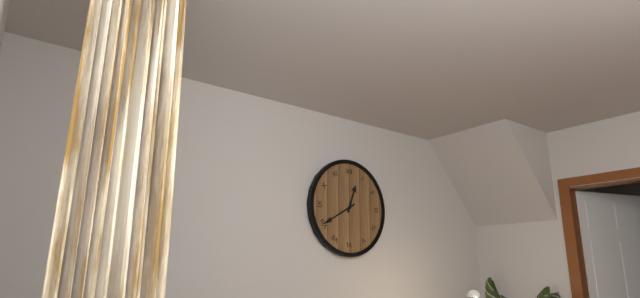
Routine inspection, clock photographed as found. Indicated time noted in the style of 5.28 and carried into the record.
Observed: 12.40
